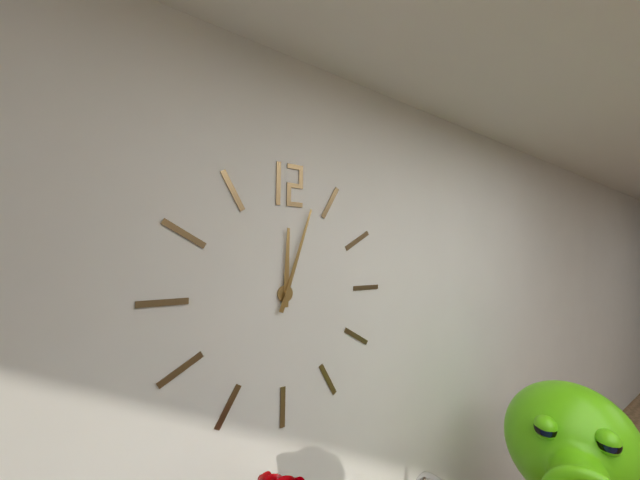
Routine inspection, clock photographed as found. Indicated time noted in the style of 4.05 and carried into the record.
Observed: 12.03
